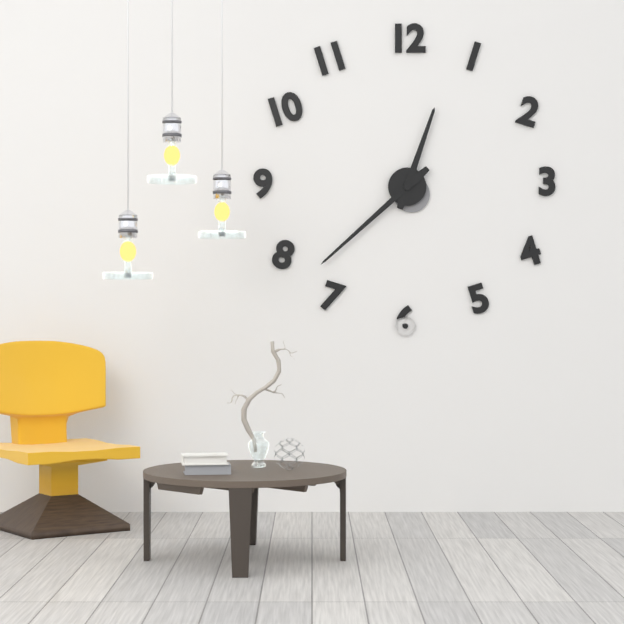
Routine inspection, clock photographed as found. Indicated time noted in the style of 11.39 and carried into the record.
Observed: 12.38
